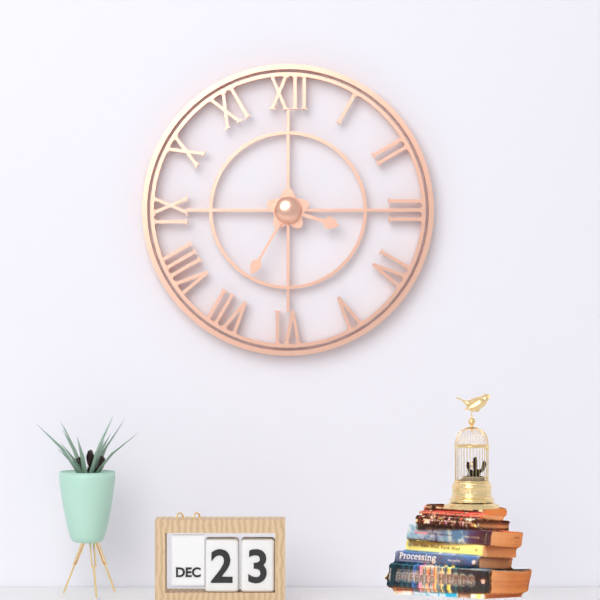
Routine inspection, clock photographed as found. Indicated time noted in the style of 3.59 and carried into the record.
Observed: 3.35
